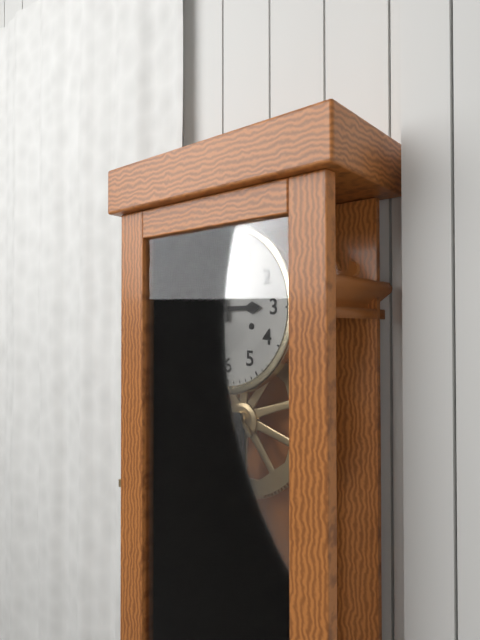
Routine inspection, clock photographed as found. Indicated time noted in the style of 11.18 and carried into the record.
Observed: 2.59
